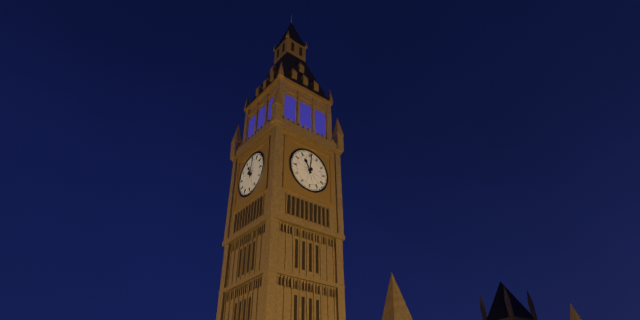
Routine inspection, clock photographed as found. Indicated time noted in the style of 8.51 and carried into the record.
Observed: 11.01
